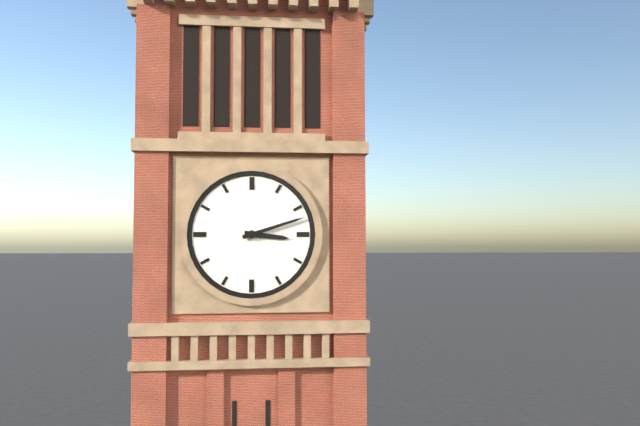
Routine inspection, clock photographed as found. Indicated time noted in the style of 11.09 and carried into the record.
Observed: 3.12
